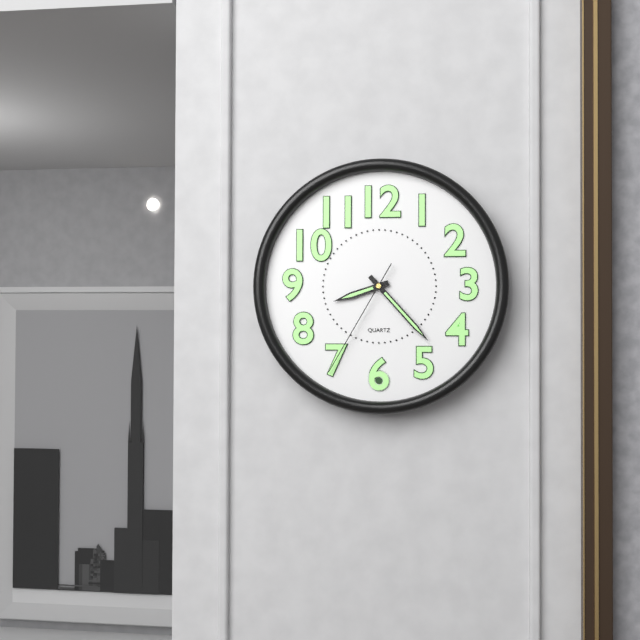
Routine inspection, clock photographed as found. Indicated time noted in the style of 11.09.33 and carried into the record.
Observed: 8.23.35
